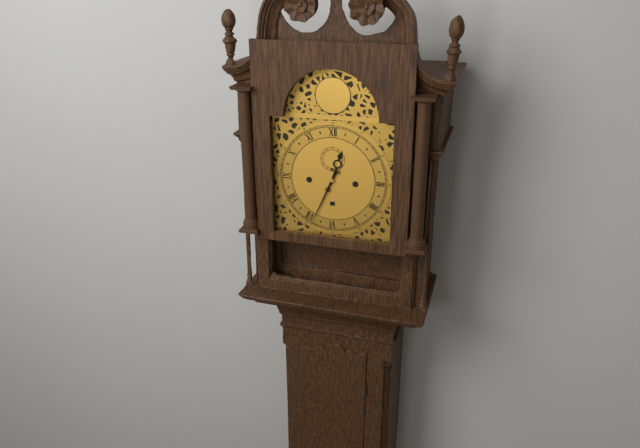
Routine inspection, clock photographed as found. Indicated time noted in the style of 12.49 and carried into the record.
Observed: 12.34
